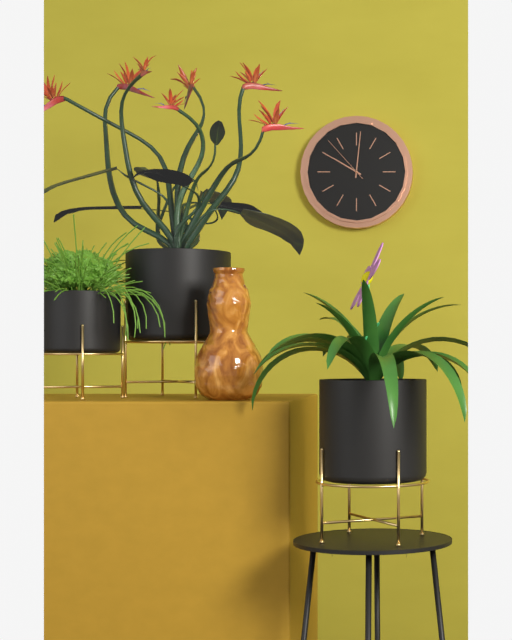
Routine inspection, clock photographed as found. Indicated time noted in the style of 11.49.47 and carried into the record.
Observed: 10.01.53
